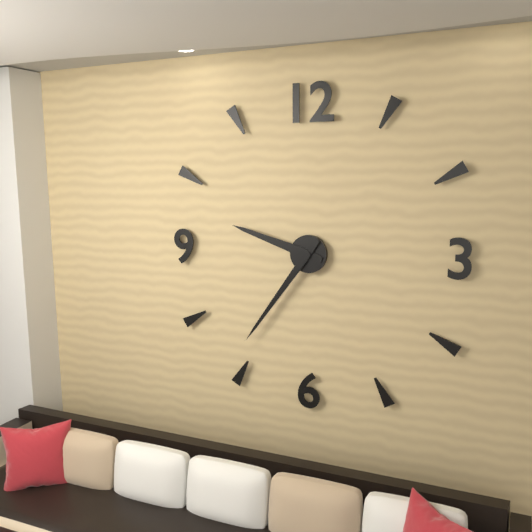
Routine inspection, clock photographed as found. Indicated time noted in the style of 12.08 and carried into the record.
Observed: 9.36
